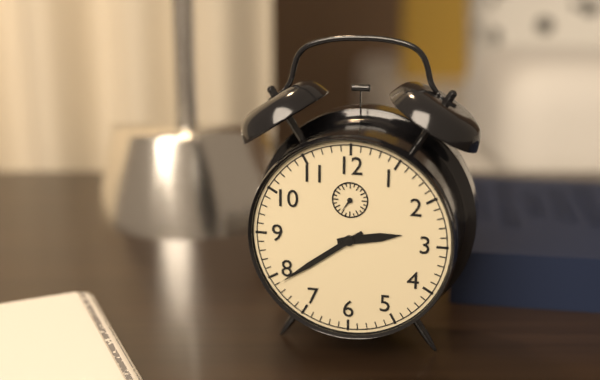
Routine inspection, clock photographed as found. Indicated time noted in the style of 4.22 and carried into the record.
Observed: 2.39
